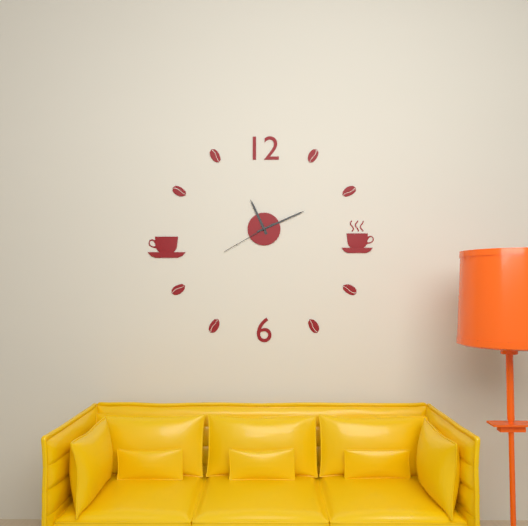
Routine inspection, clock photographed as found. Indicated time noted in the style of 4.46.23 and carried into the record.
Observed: 11.11.40
